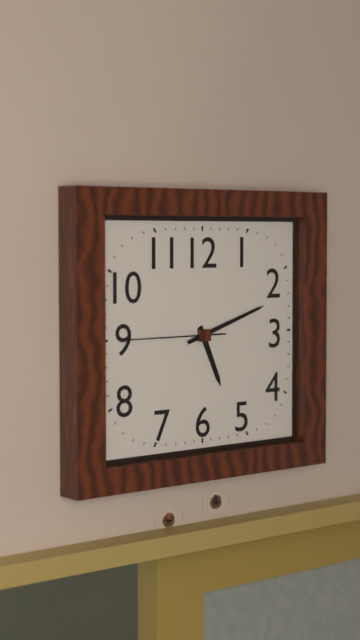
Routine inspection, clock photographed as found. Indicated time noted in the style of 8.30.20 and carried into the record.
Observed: 5.12.45
